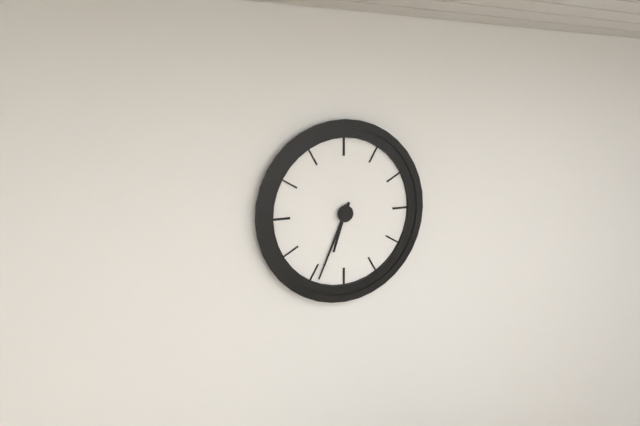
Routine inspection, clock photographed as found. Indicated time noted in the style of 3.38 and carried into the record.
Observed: 6.34
